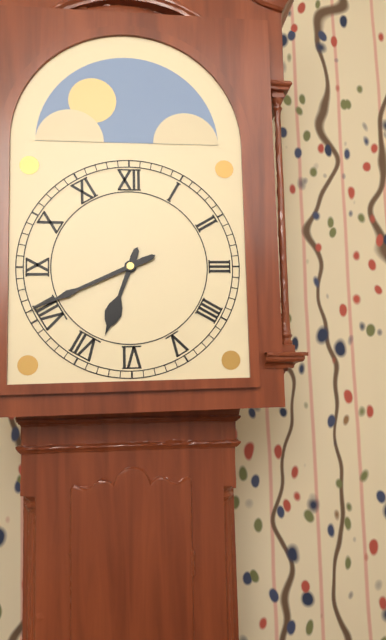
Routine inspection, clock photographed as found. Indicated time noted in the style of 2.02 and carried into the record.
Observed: 6.41
